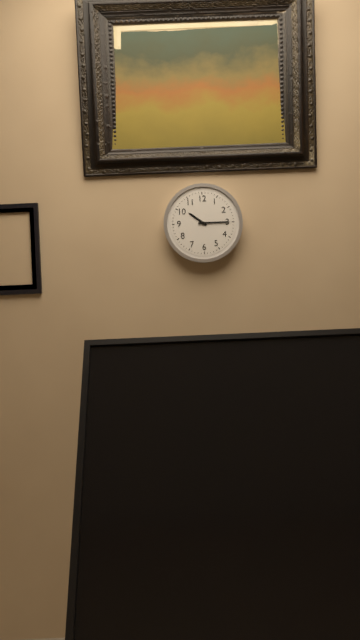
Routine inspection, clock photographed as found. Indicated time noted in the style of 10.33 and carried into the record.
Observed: 10.15
